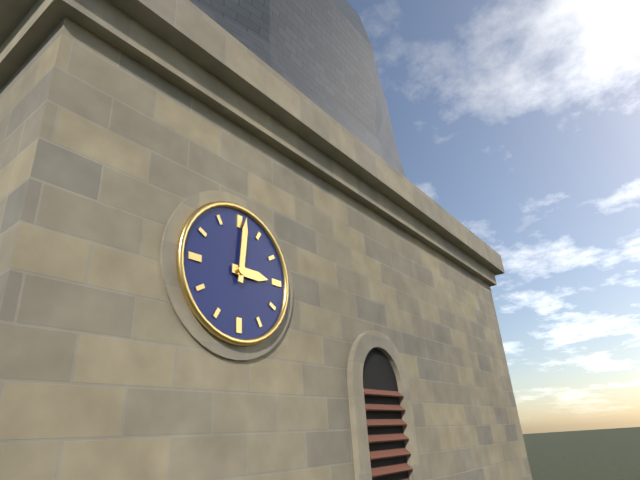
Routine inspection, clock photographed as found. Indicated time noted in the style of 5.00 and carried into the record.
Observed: 3.01
